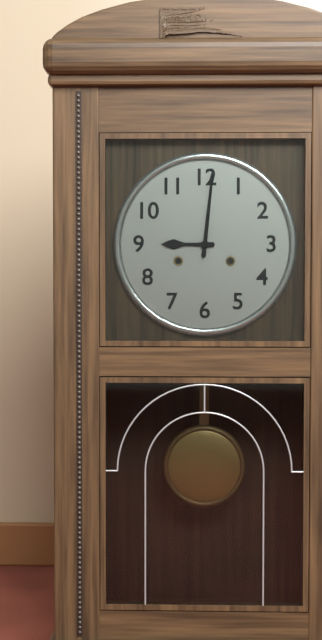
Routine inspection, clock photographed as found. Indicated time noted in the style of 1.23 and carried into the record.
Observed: 9.01
